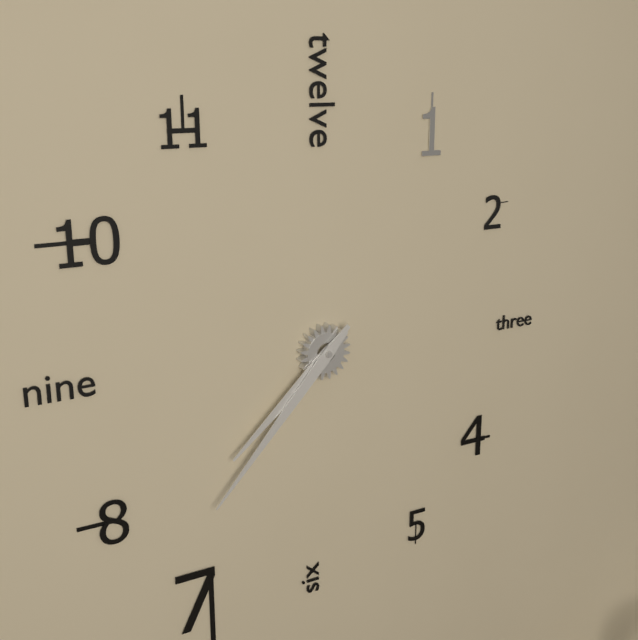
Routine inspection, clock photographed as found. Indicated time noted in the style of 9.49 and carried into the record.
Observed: 7.37
